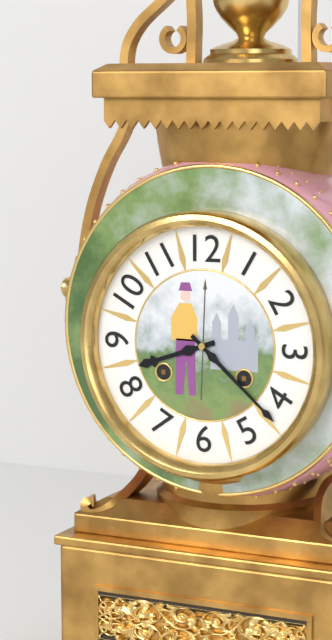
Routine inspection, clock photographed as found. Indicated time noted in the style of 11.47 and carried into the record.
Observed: 8.22
